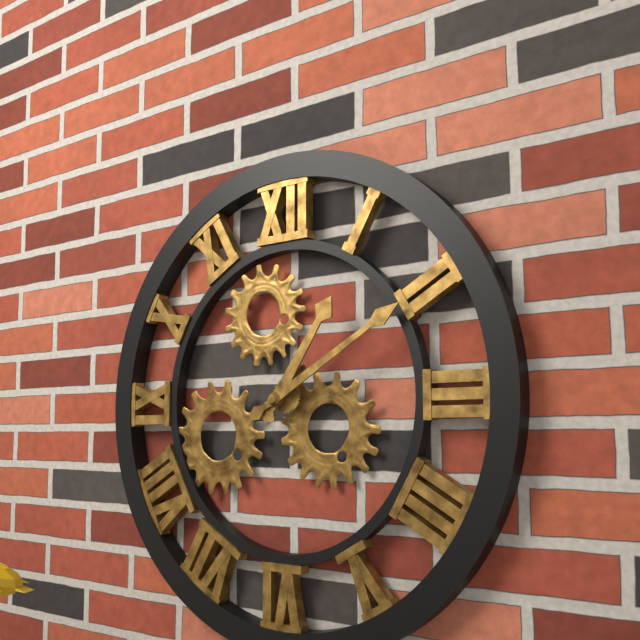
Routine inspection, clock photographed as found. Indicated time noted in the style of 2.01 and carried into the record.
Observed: 1.10
